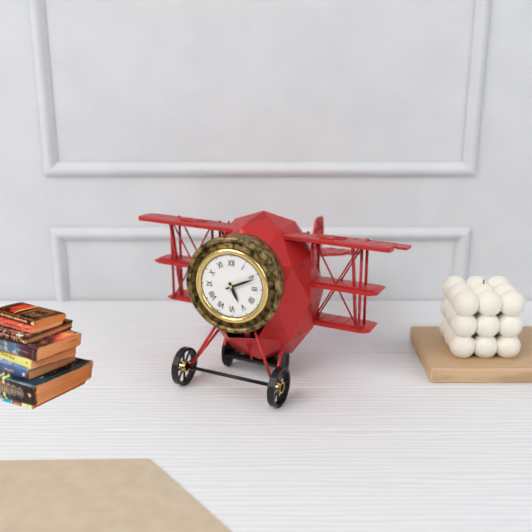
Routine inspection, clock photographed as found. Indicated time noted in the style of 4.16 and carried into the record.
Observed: 5.11
